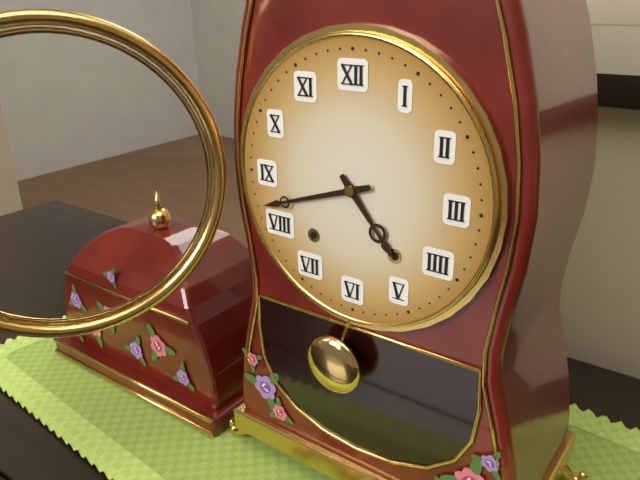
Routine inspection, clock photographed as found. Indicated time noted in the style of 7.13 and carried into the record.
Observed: 4.42
